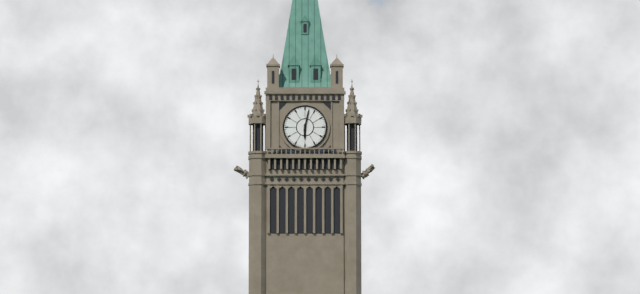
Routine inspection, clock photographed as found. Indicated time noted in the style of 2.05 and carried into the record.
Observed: 6.02
